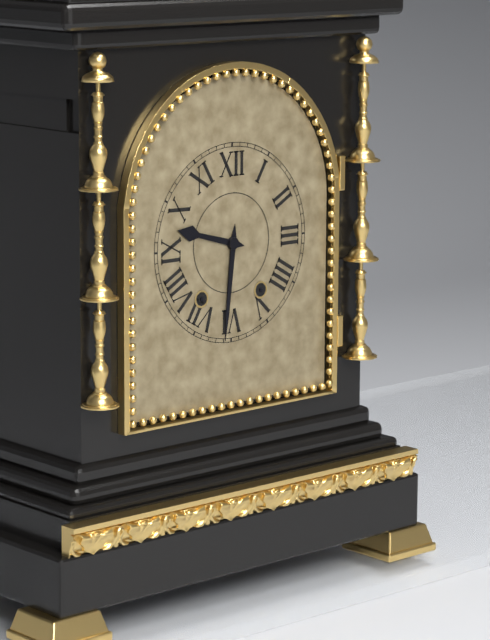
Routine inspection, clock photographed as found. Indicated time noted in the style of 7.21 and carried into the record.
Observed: 9.31
